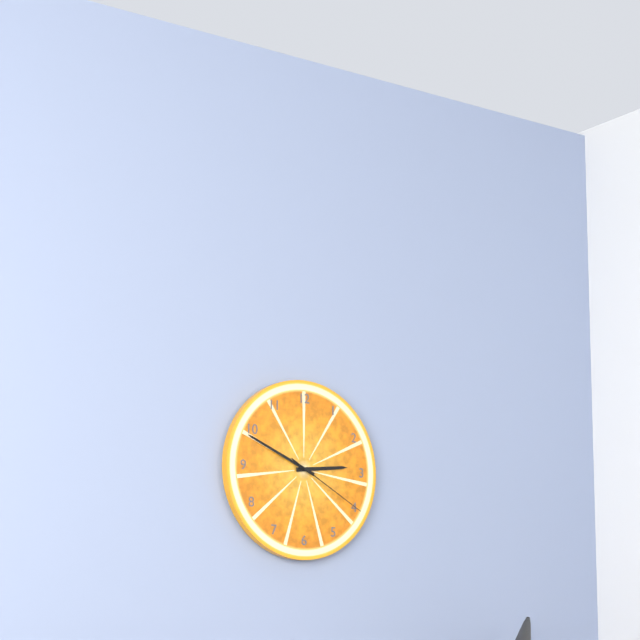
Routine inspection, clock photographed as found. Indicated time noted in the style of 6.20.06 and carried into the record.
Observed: 2.49.20
